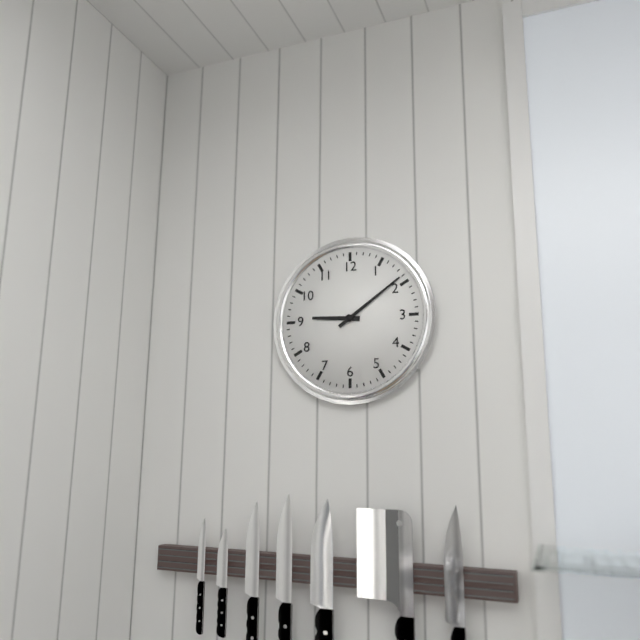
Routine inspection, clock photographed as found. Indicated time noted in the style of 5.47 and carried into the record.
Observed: 9.09
